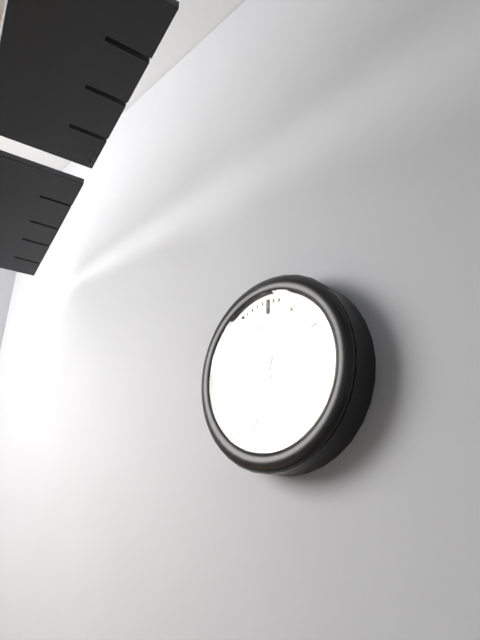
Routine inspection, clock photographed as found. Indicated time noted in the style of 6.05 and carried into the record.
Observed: 11.33
